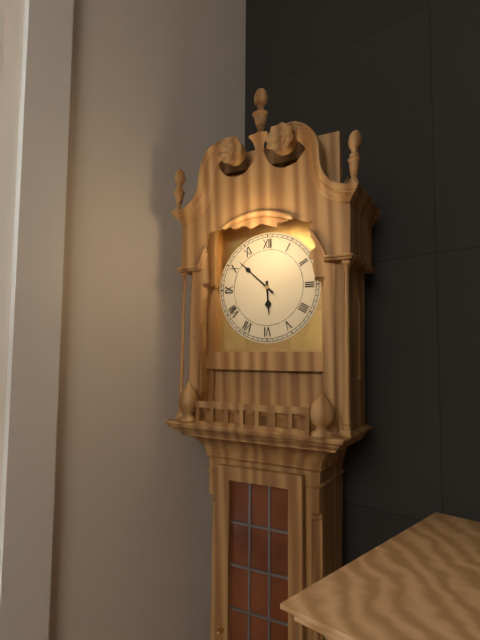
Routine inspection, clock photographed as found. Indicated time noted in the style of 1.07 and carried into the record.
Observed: 5.52
